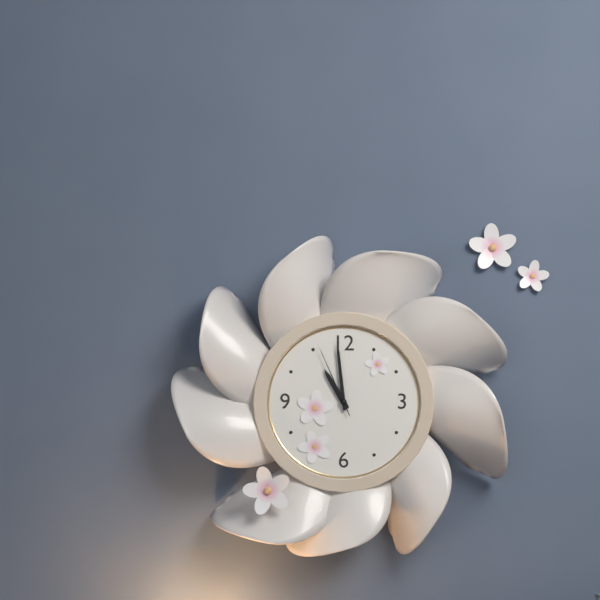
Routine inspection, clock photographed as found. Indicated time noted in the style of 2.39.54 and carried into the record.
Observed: 10.59.56
